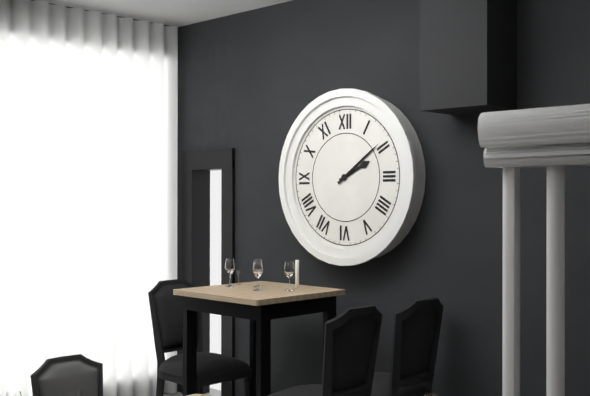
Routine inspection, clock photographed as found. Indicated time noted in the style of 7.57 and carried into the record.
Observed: 2.09
